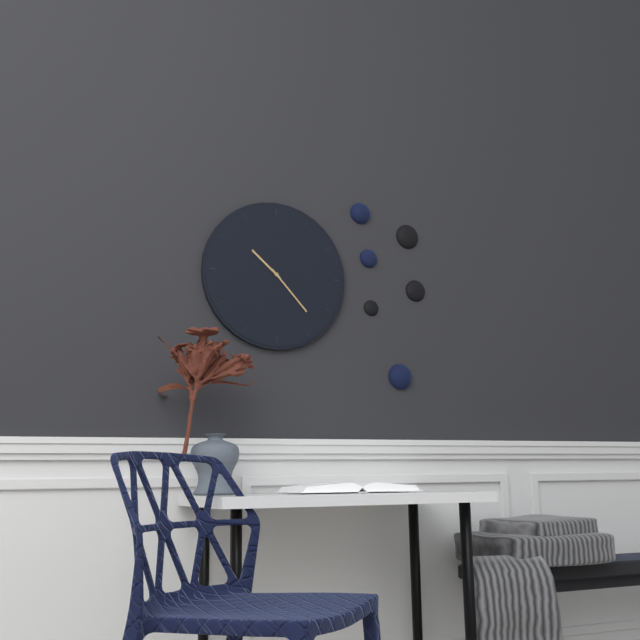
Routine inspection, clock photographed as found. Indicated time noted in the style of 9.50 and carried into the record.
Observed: 10.23
